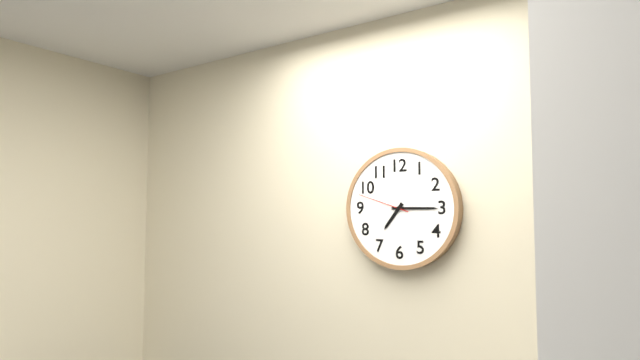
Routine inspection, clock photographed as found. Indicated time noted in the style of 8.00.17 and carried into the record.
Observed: 7.15.48
